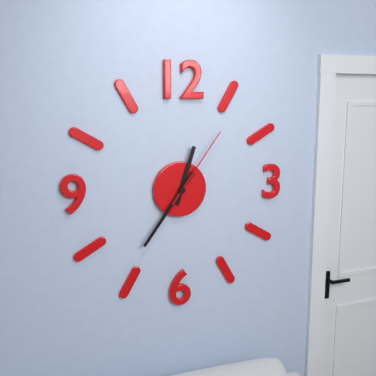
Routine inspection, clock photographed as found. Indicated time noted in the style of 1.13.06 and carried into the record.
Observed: 12.36.06
